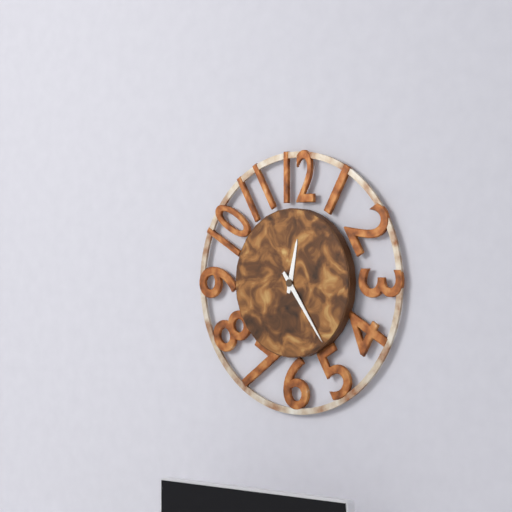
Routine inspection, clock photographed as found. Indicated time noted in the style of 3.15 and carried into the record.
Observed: 12.24
